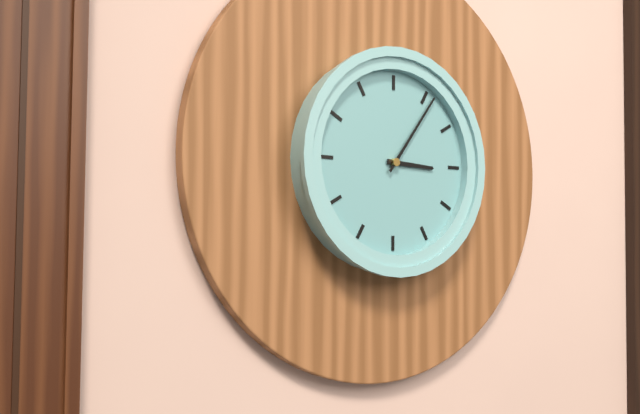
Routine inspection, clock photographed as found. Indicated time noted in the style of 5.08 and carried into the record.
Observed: 3.06
